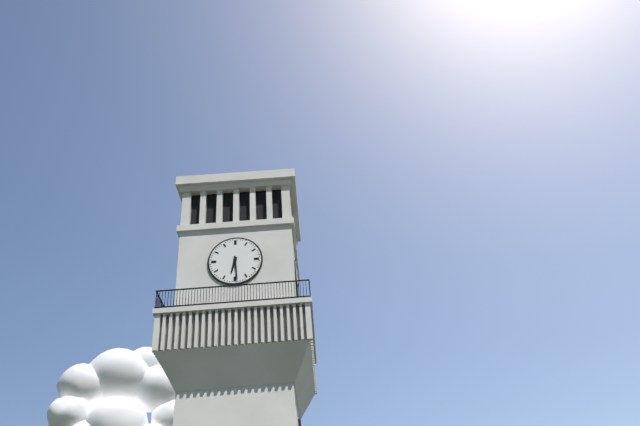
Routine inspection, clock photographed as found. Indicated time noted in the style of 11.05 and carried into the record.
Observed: 6.29
